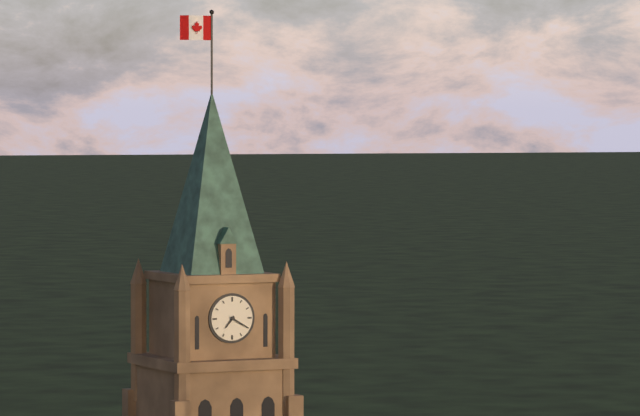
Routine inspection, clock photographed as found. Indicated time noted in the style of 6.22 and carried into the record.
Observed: 7.20
